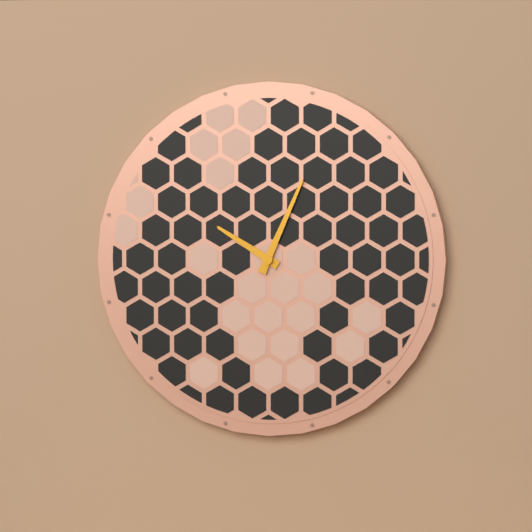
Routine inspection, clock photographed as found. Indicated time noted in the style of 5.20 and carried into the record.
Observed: 10.04
